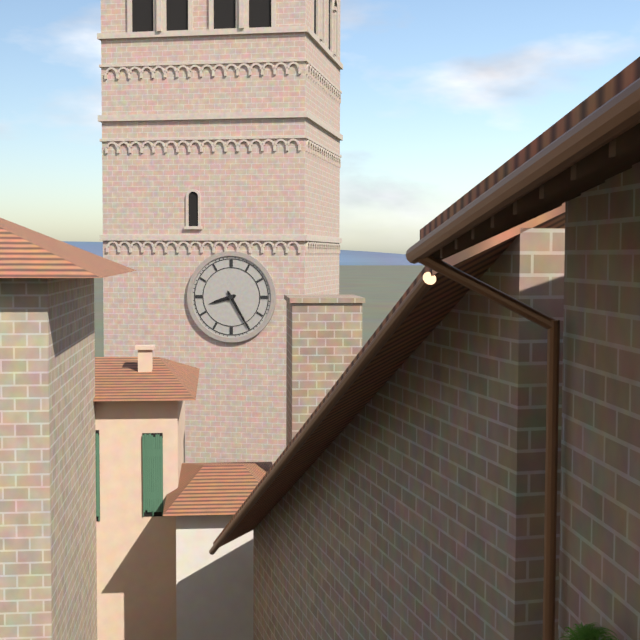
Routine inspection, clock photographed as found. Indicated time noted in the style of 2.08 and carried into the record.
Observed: 8.25
